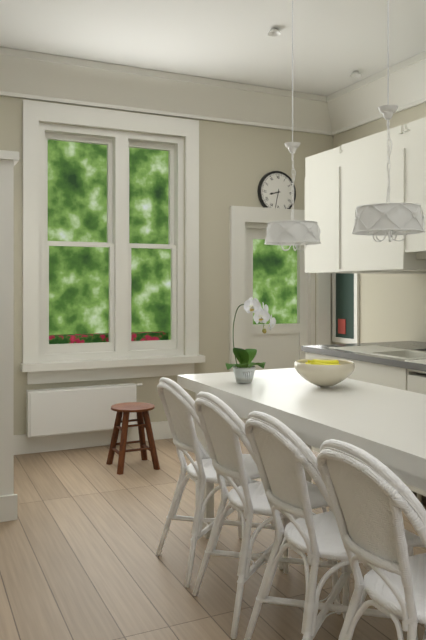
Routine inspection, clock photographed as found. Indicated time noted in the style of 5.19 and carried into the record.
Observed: 8.32
